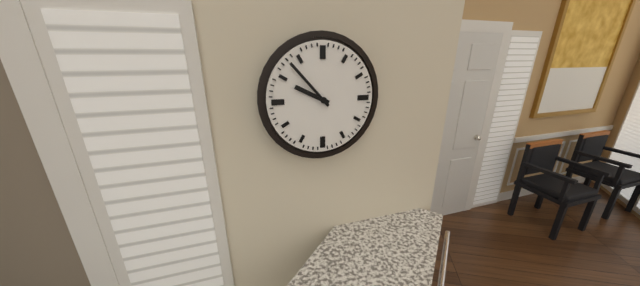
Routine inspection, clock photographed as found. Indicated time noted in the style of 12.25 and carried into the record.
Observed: 9.53
